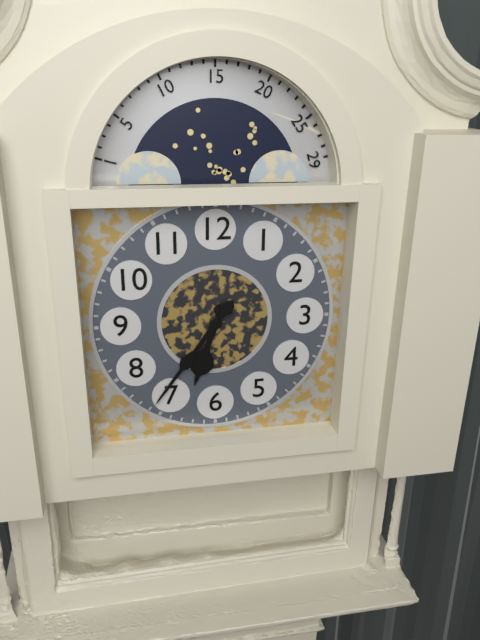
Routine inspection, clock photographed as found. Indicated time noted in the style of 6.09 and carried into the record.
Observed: 6.36
